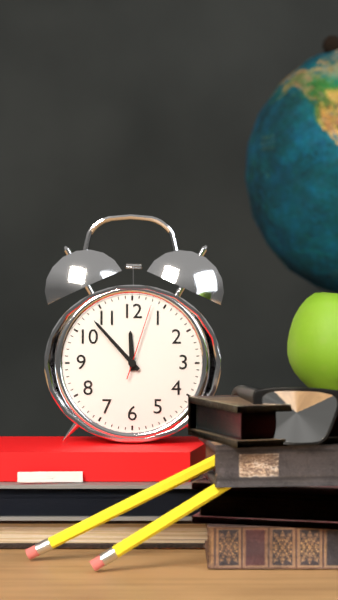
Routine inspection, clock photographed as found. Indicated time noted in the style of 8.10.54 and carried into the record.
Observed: 11.53.03
